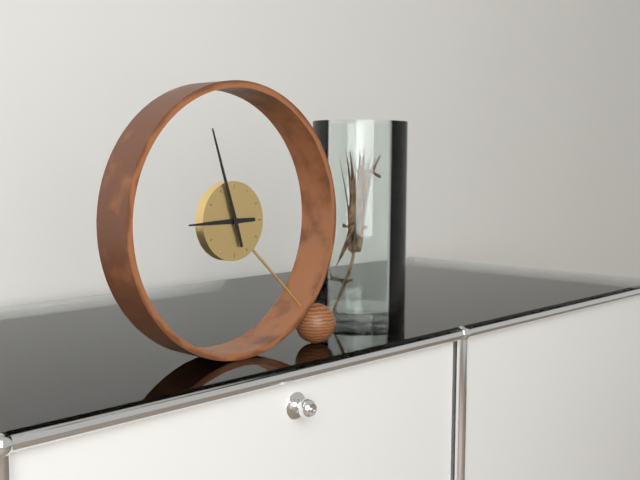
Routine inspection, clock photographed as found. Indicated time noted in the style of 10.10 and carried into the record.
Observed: 8.57
